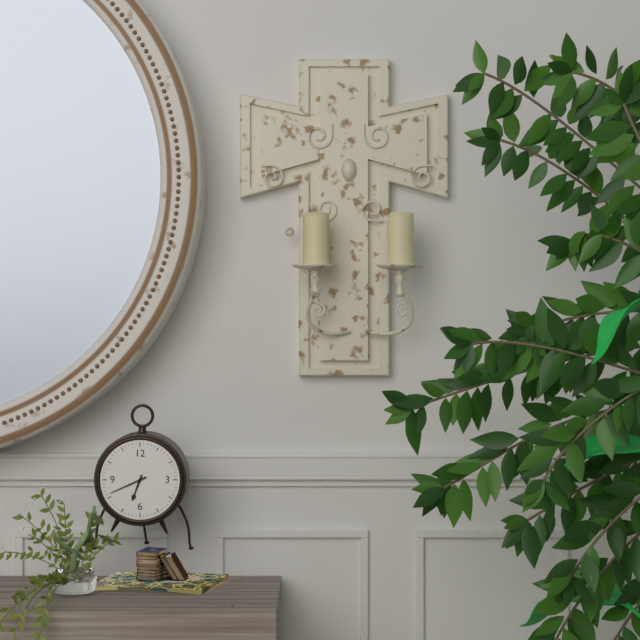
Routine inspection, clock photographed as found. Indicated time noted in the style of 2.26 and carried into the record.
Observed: 6.41
